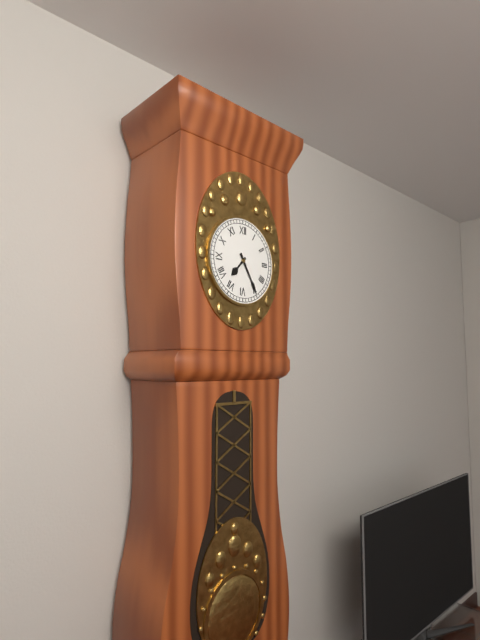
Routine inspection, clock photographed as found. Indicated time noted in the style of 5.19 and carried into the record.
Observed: 7.25
